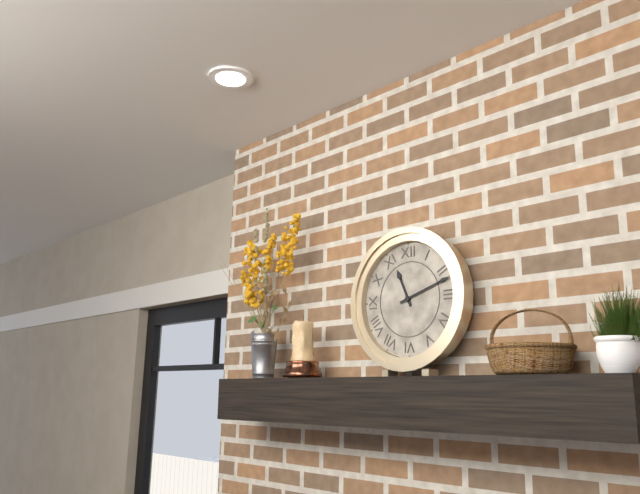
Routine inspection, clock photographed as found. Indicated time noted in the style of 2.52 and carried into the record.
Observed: 11.12
